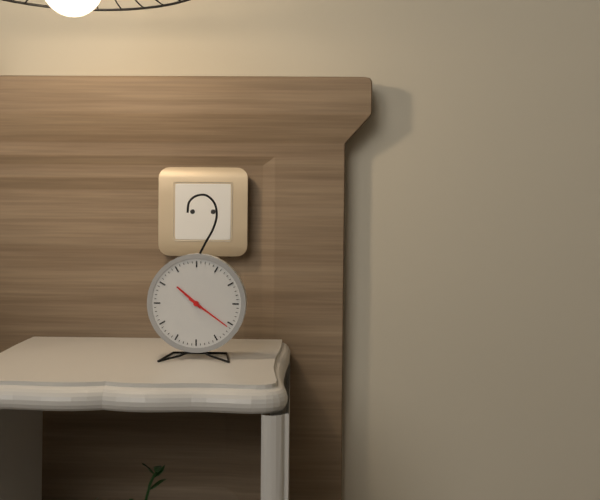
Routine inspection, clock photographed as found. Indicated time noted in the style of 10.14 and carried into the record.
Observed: 10.21
